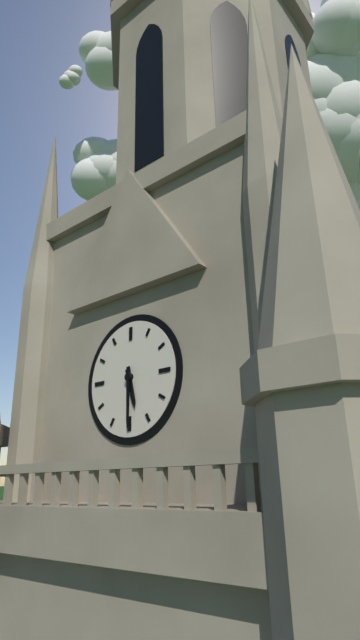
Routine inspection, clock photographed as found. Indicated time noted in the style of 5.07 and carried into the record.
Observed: 5.30
